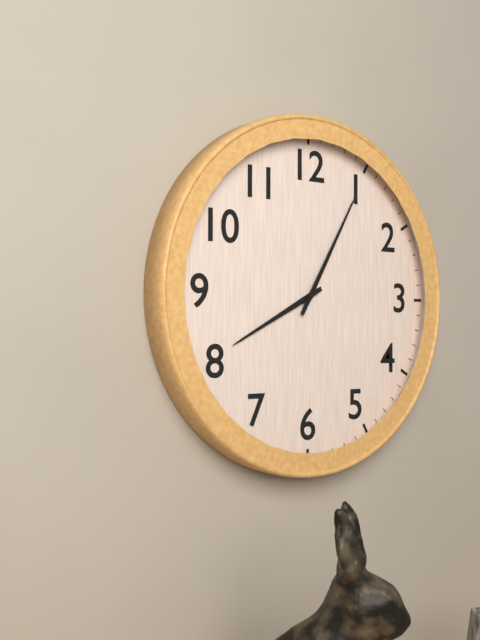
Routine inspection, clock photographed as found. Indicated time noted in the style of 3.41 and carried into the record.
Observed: 8.05
